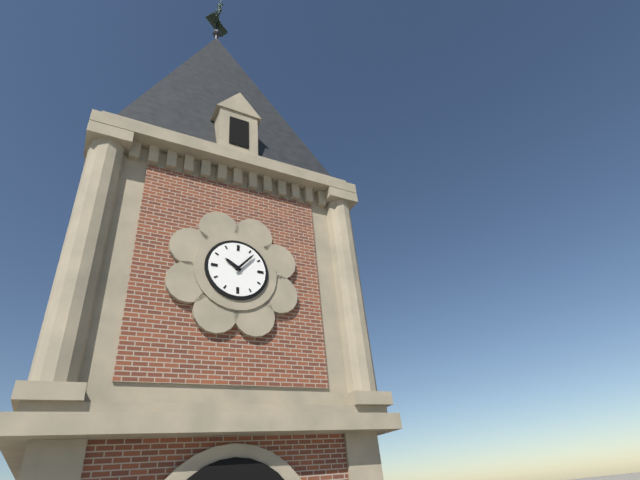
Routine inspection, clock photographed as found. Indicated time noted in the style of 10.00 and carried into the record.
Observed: 10.07
